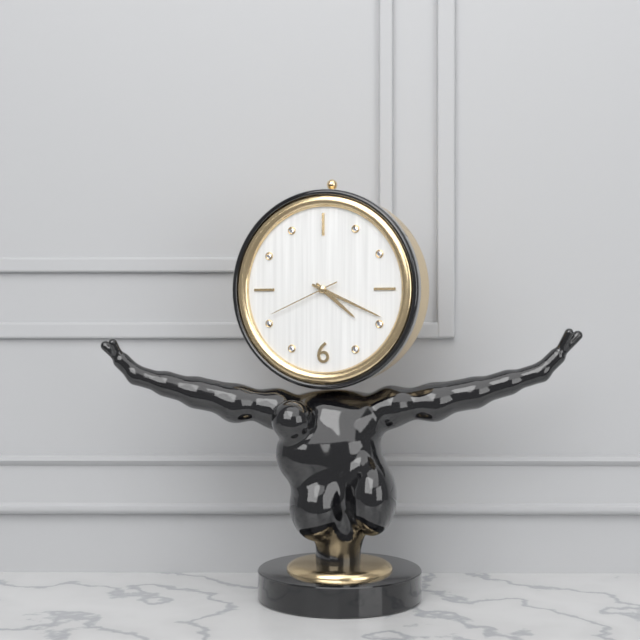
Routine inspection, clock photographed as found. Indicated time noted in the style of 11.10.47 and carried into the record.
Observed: 4.19.41
